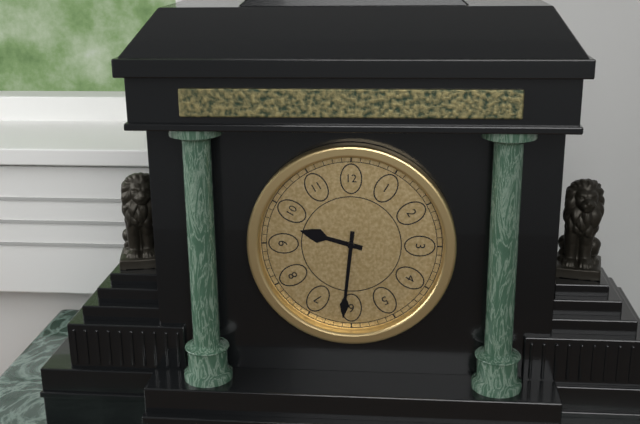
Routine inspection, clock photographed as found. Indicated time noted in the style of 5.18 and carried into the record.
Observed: 9.31
